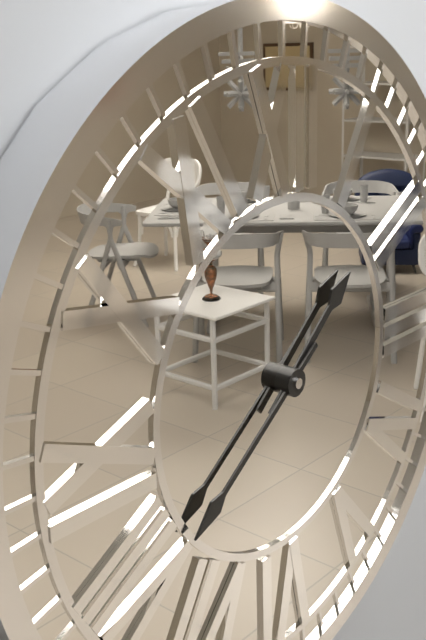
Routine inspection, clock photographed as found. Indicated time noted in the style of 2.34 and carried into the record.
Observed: 1.39
